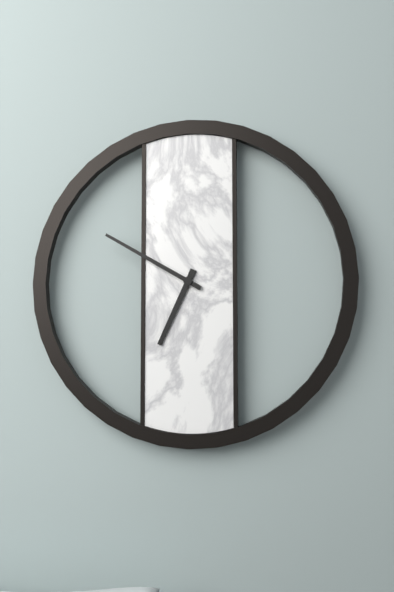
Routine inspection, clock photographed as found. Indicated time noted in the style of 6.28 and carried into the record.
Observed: 6.50
